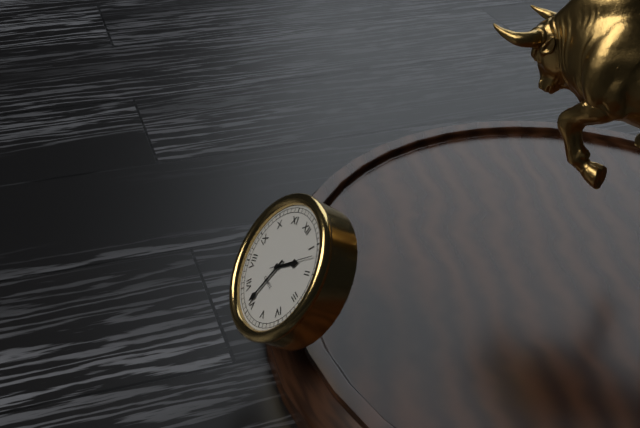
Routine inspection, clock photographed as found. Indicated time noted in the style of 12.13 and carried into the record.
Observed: 1.31
